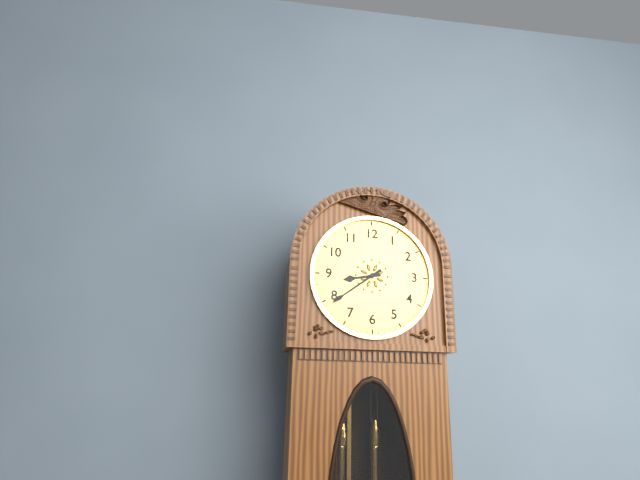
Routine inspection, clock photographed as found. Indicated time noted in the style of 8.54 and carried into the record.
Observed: 8.39
